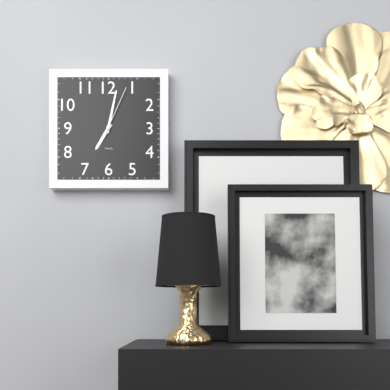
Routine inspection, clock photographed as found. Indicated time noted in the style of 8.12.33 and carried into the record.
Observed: 7.02.04
